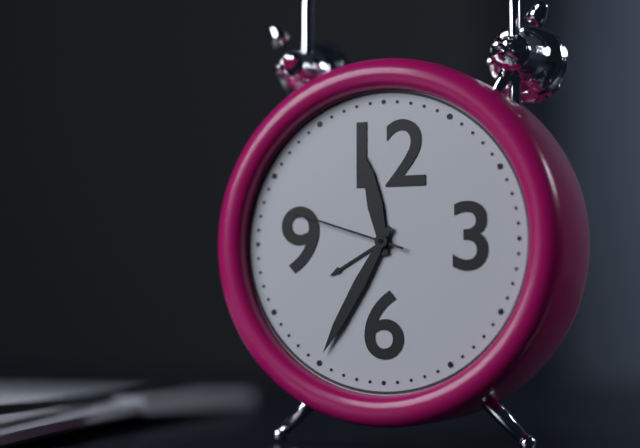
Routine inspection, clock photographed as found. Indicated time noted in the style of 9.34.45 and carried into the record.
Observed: 11.35.48
